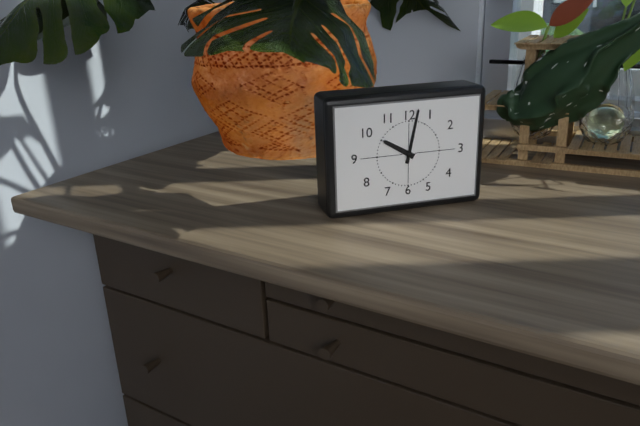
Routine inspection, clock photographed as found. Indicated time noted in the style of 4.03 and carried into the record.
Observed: 10.02
